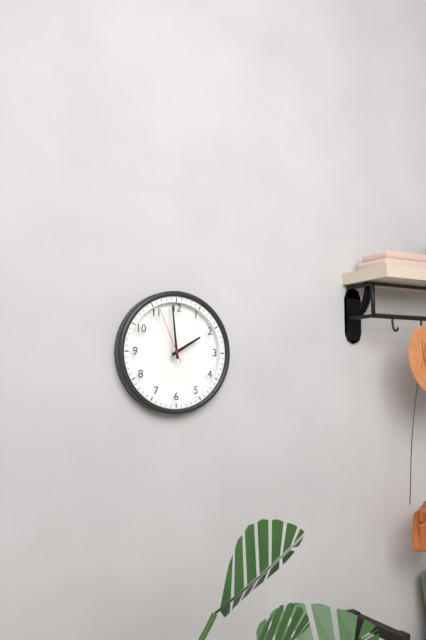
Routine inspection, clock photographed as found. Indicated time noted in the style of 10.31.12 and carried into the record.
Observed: 1.59.56
